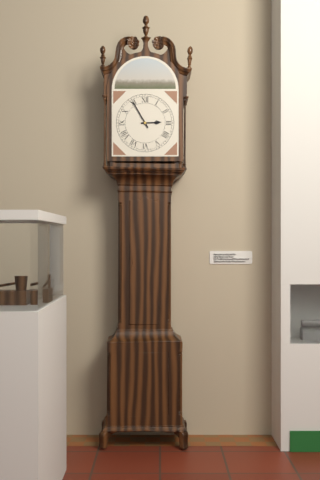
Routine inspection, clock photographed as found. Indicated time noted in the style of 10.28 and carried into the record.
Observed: 2.55
